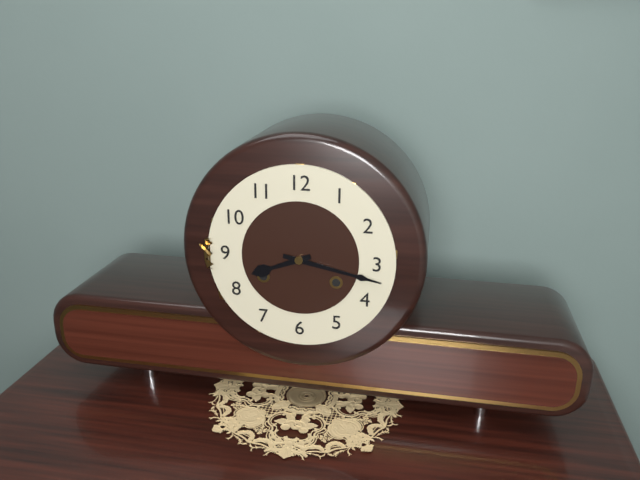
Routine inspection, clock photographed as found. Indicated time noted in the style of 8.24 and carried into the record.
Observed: 8.17
